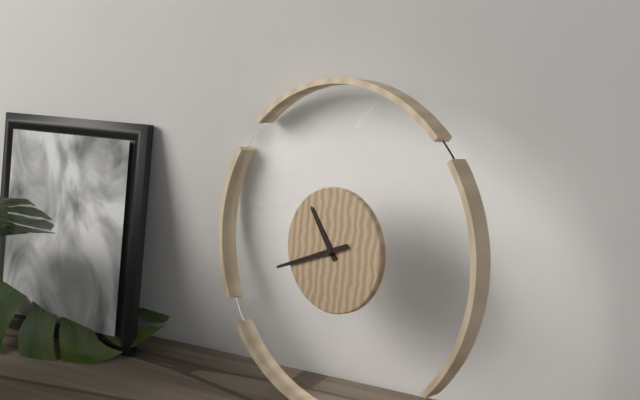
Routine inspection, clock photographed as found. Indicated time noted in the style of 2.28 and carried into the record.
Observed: 10.41
